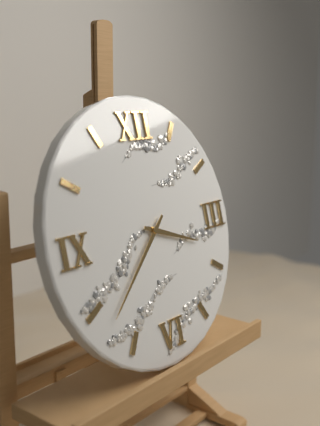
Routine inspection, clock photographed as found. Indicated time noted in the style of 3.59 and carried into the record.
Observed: 3.38
